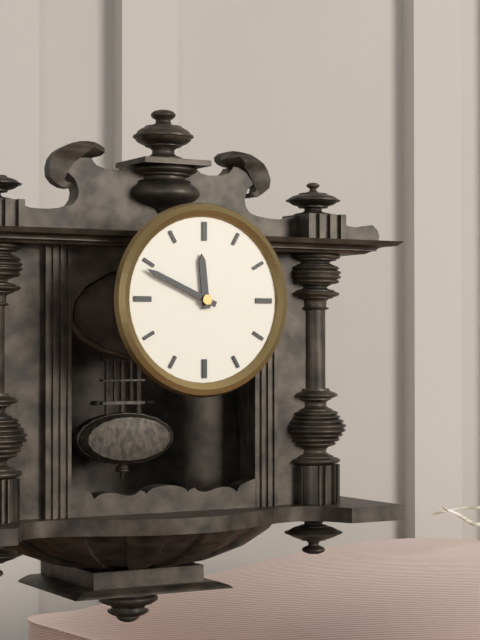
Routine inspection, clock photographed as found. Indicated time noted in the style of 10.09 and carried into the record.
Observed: 11.49
